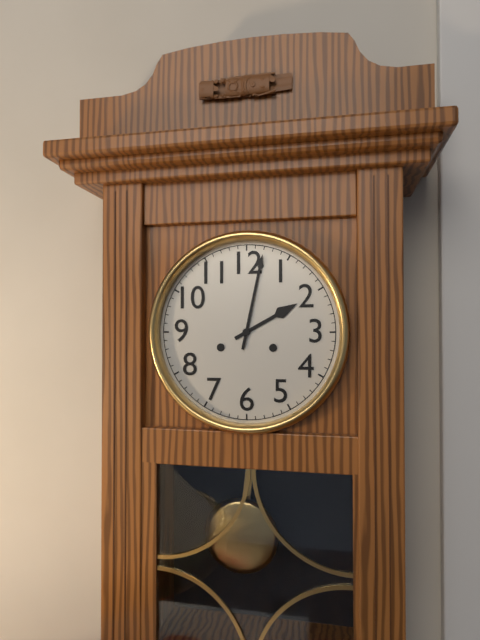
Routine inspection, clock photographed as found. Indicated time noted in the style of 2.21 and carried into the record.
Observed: 2.02
